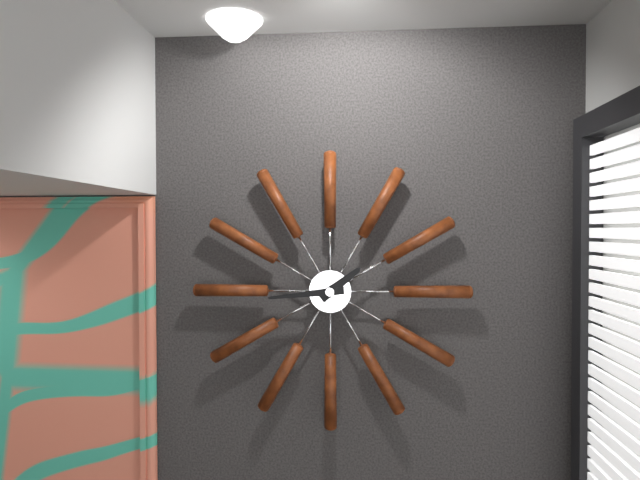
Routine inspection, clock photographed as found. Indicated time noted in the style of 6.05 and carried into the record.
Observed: 1.44
